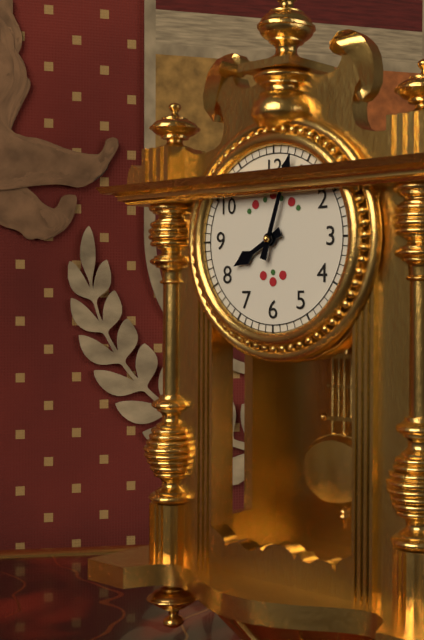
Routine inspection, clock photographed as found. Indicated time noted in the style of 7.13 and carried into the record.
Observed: 8.03
